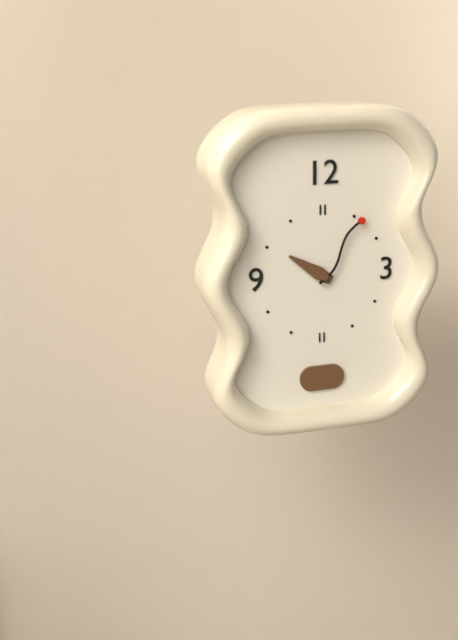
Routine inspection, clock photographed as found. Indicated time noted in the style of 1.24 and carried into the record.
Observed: 10.06
